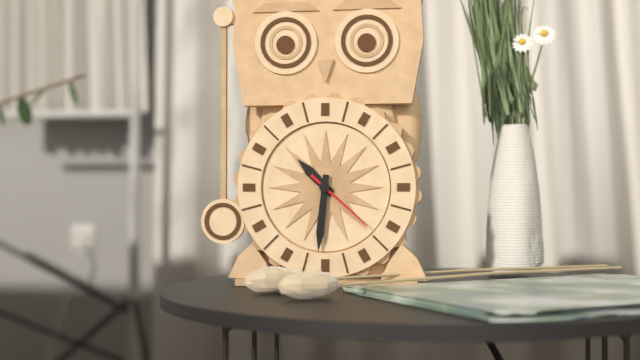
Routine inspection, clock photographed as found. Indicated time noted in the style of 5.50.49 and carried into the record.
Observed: 10.31.22
